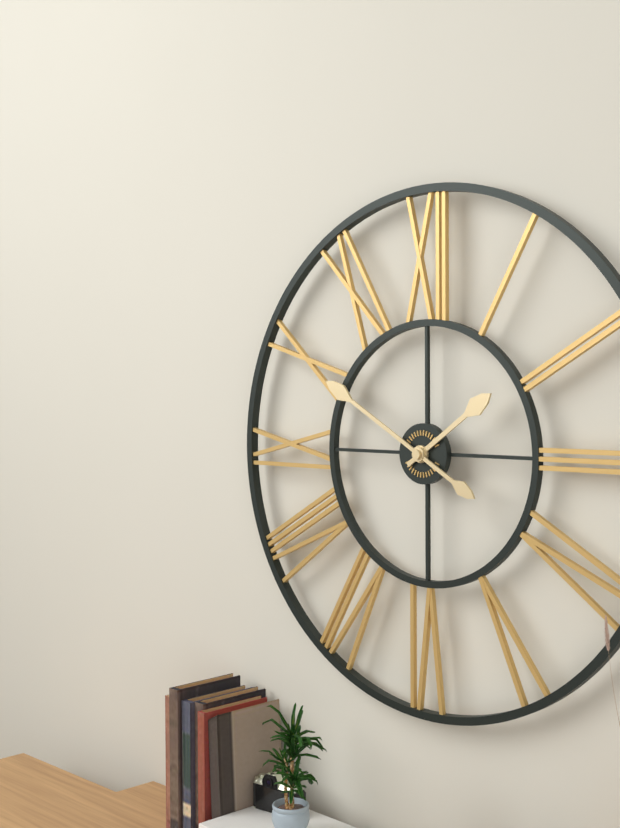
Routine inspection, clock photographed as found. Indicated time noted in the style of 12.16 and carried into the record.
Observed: 1.50
